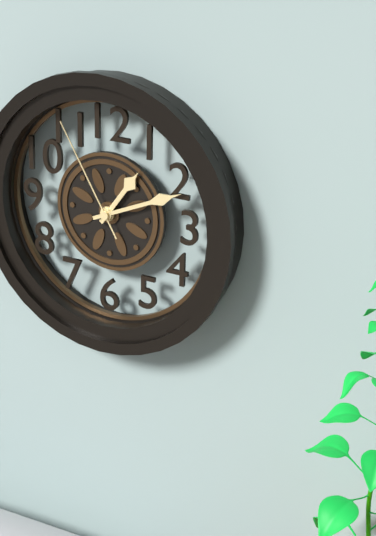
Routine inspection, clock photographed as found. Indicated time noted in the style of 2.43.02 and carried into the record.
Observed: 1.11.55
